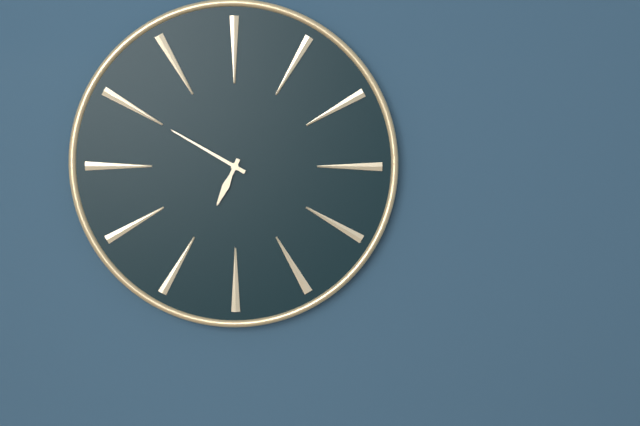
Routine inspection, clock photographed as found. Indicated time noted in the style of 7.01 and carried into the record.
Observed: 6.50
